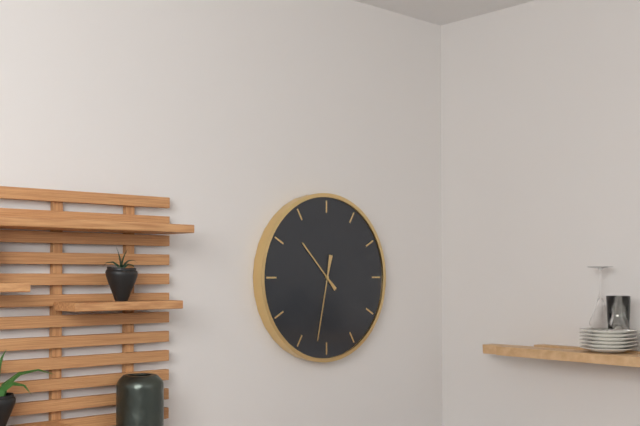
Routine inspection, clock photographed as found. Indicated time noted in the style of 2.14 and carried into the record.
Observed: 10.32
